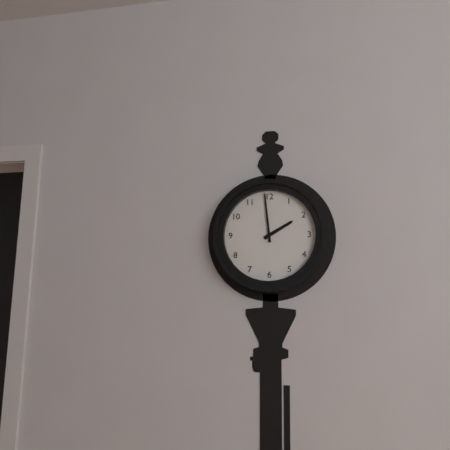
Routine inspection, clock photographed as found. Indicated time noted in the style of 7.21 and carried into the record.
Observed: 1.59
